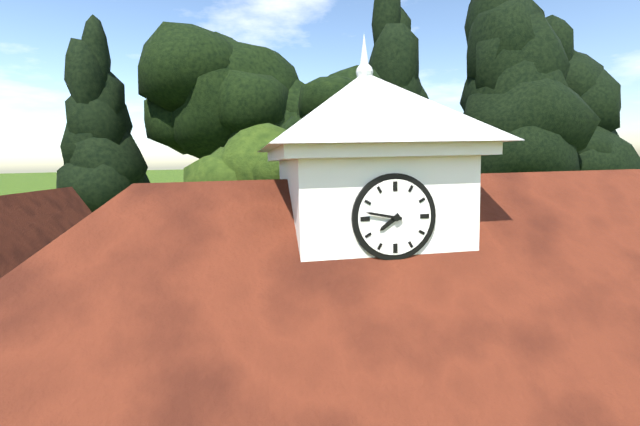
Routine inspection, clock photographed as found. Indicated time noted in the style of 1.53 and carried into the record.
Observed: 7.47
